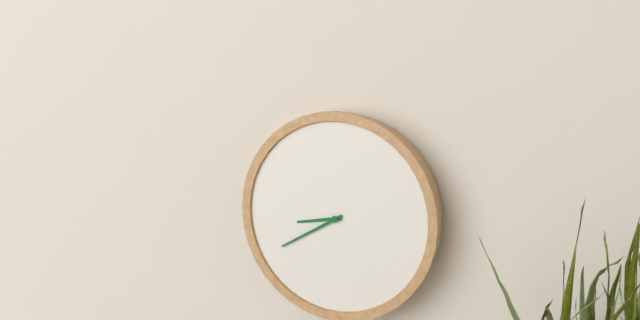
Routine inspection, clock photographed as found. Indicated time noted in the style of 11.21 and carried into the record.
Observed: 8.40
